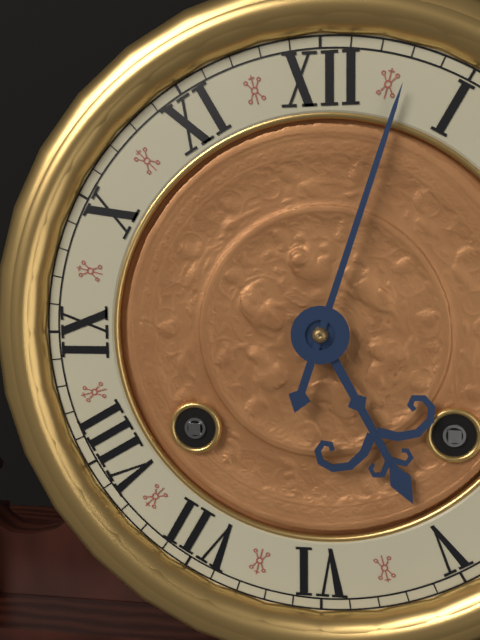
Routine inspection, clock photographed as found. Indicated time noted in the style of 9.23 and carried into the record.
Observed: 5.03
